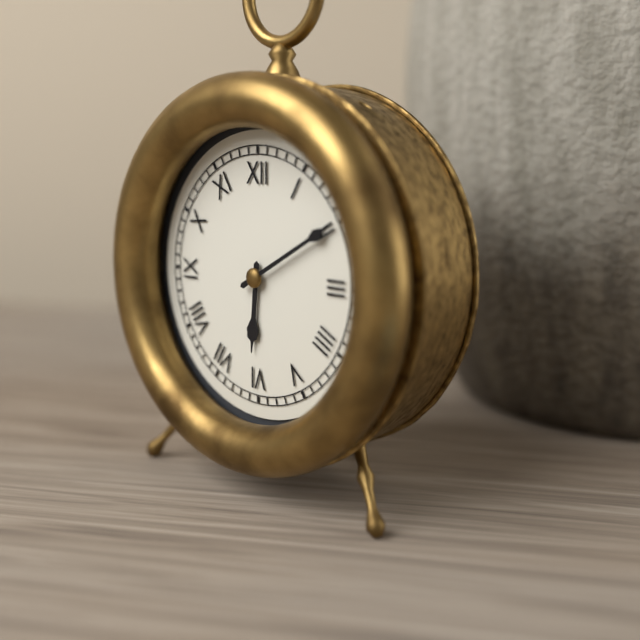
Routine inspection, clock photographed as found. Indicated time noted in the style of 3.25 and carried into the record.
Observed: 6.10
